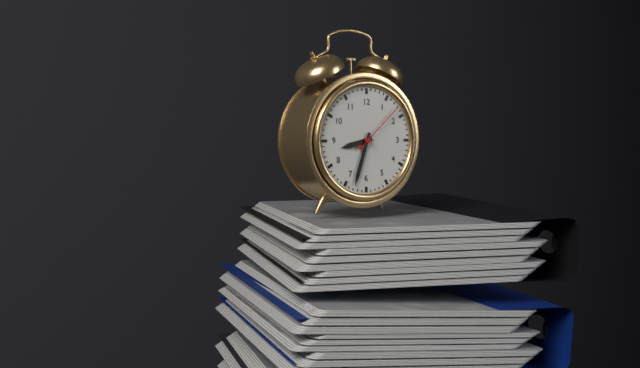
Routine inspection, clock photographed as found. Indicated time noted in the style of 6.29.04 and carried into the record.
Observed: 8.33.08
